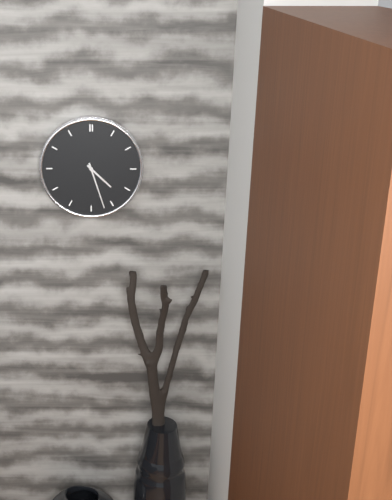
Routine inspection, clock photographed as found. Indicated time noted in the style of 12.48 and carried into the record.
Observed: 4.27
